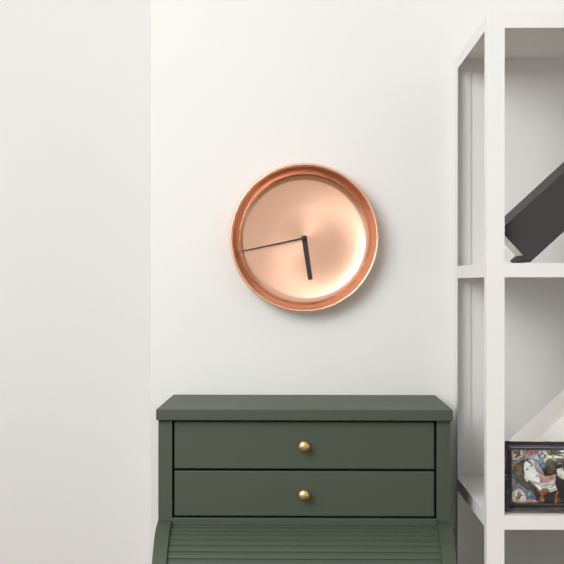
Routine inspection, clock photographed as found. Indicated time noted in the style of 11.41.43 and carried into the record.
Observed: 5.43.43
